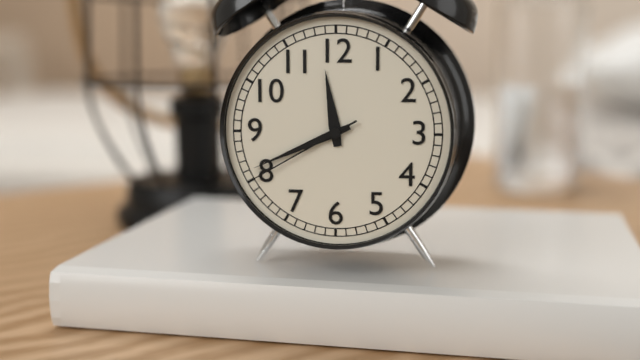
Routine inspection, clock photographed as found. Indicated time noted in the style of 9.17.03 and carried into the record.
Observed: 11.41.40
